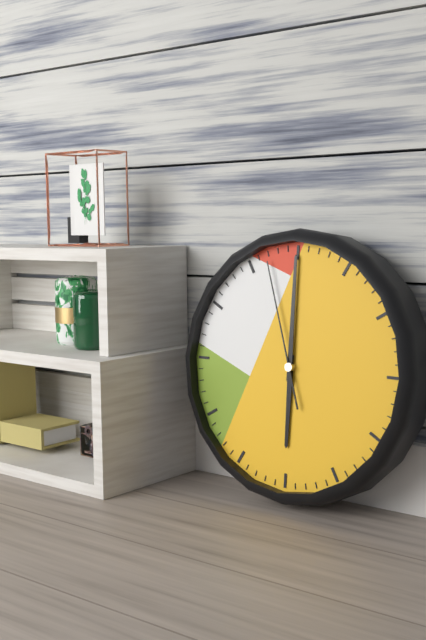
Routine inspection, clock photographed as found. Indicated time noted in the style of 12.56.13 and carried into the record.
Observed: 6.00.57
